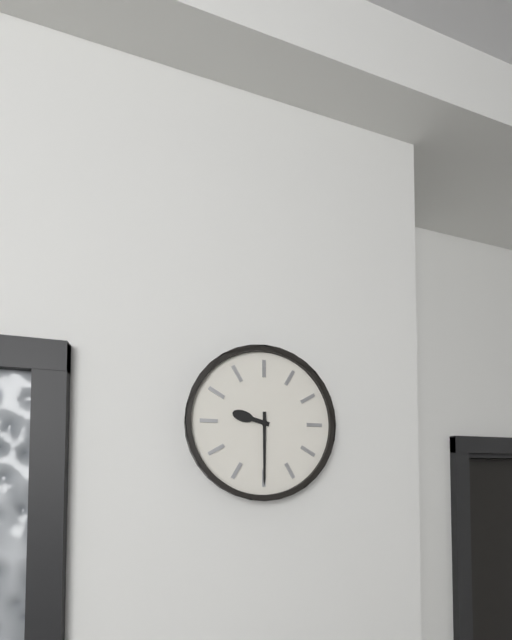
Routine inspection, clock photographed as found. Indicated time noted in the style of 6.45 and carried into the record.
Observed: 9.30
